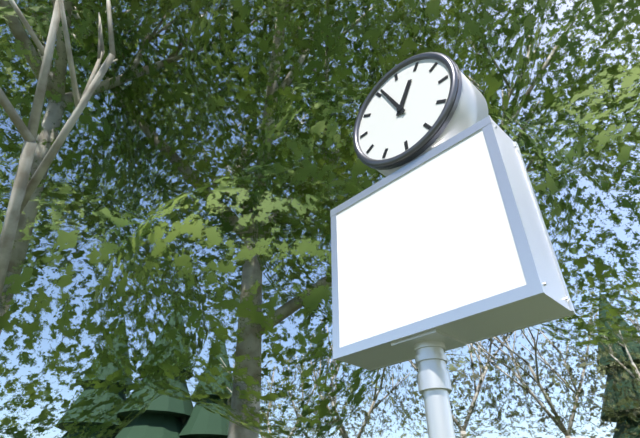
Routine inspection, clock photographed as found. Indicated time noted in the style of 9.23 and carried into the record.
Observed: 12.56
